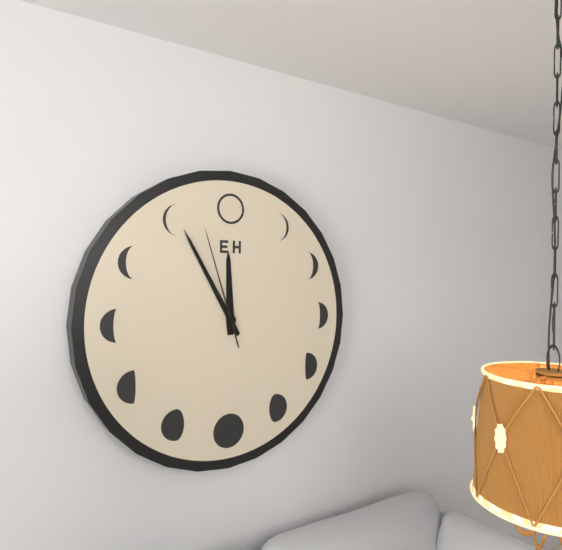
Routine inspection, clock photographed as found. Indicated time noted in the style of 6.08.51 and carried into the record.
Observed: 11.55.57
